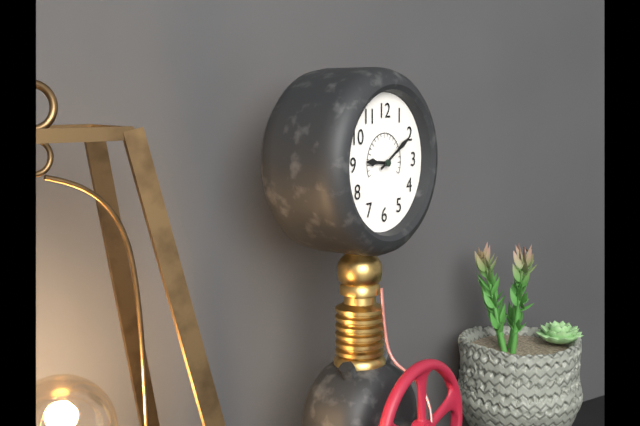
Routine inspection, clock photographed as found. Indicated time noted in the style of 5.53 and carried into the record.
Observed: 9.10
